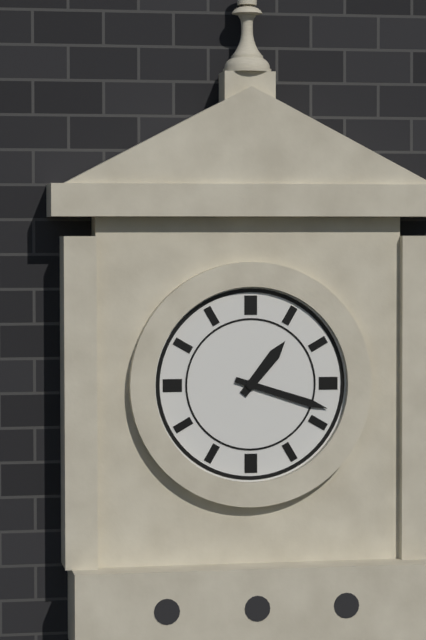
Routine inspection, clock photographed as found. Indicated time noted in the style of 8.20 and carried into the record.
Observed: 1.18
